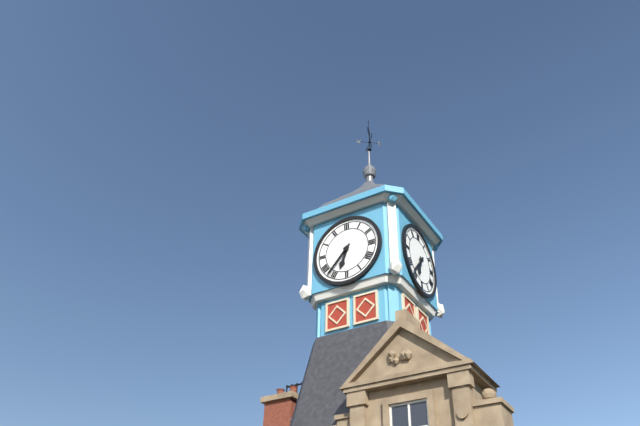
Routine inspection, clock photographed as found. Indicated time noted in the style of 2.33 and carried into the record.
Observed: 6.37
